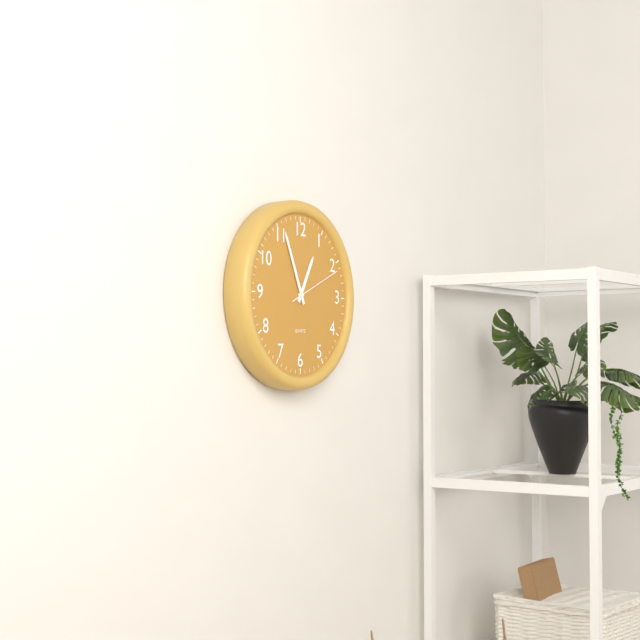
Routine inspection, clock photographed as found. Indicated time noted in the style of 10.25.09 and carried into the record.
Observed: 12.56.11
